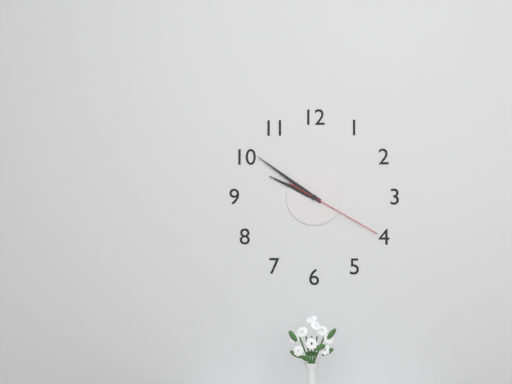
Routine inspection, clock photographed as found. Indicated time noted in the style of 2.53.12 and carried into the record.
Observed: 9.51.20
